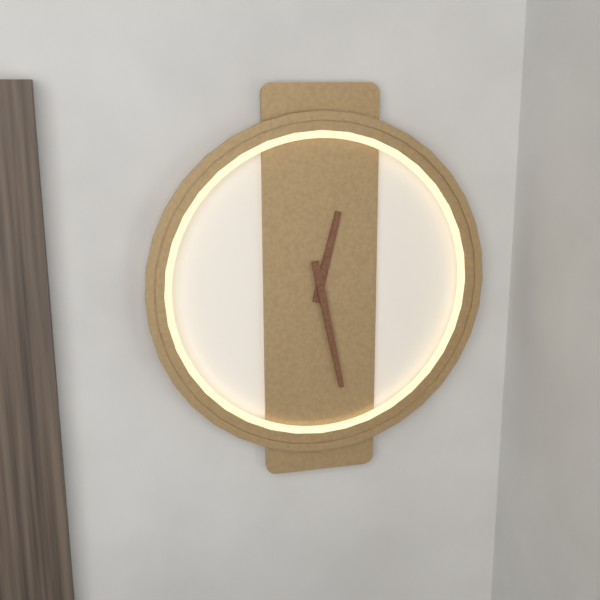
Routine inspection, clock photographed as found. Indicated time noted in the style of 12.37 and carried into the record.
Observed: 12.28
